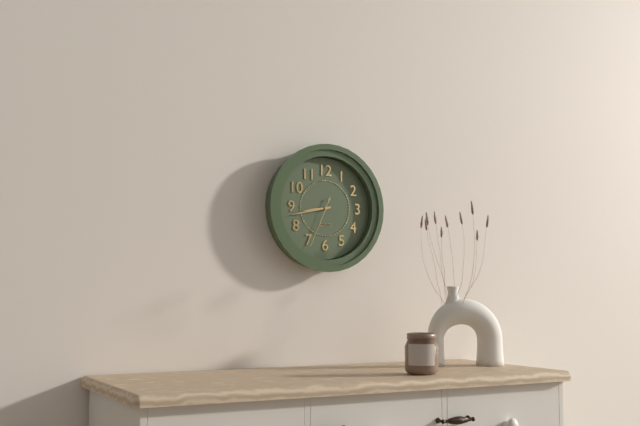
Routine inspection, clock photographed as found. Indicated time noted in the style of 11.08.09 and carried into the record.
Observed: 8.43.34
